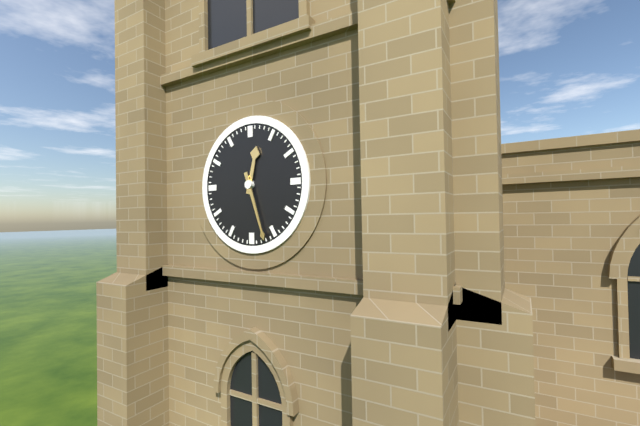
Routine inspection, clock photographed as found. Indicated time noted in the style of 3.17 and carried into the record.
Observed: 12.27
